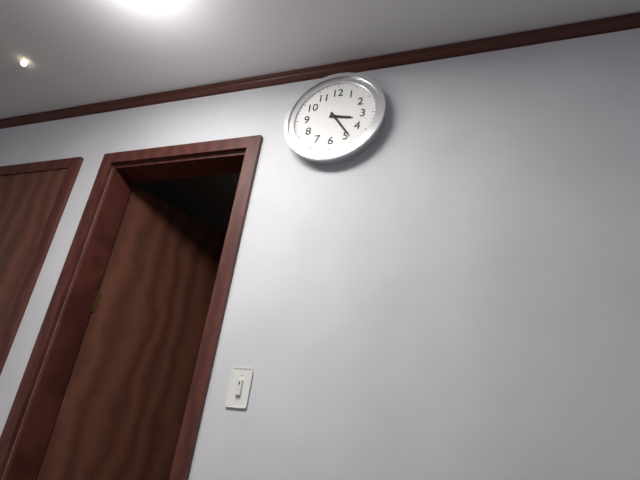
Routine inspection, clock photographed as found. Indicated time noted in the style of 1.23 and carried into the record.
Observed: 3.24
